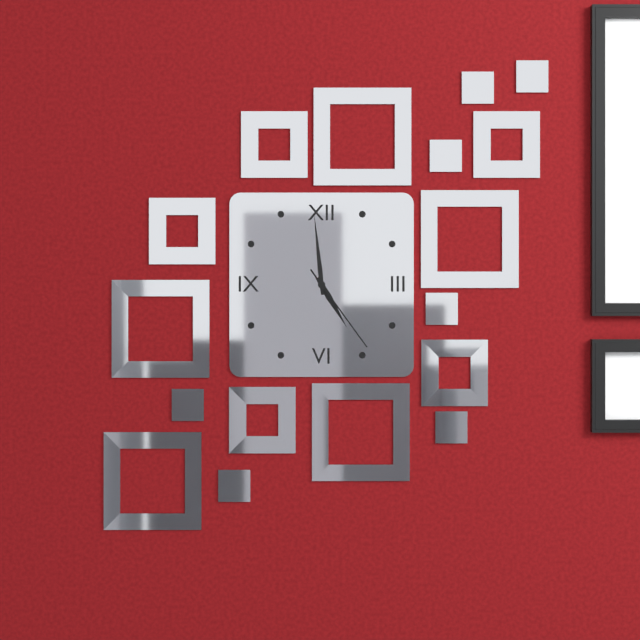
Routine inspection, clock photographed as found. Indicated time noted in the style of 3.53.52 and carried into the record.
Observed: 4.59.24
